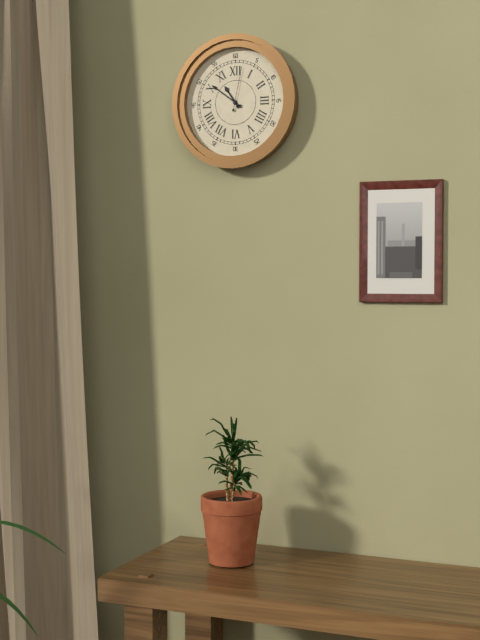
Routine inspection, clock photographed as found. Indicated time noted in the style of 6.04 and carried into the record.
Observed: 10.51
